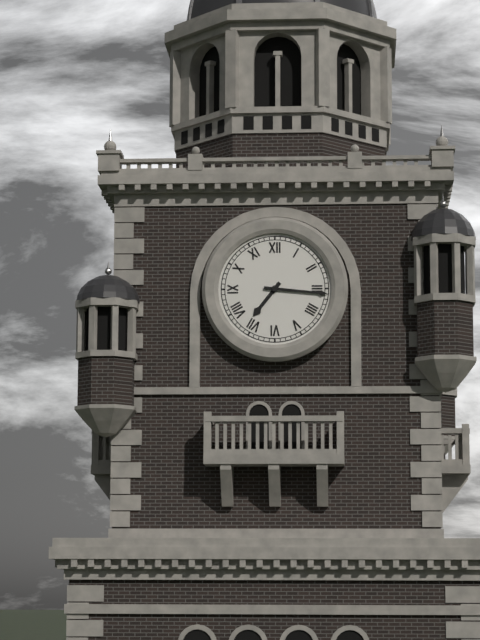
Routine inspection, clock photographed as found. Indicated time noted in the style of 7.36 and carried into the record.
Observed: 7.16
